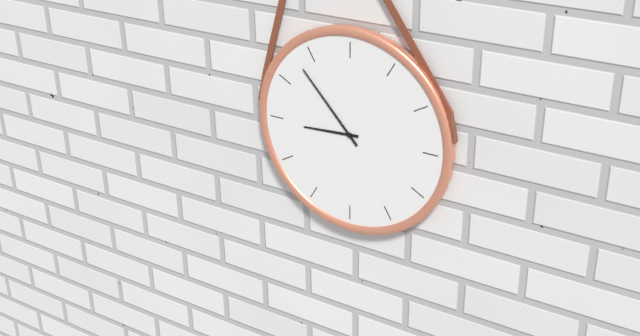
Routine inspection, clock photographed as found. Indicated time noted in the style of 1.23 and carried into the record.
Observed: 8.53
